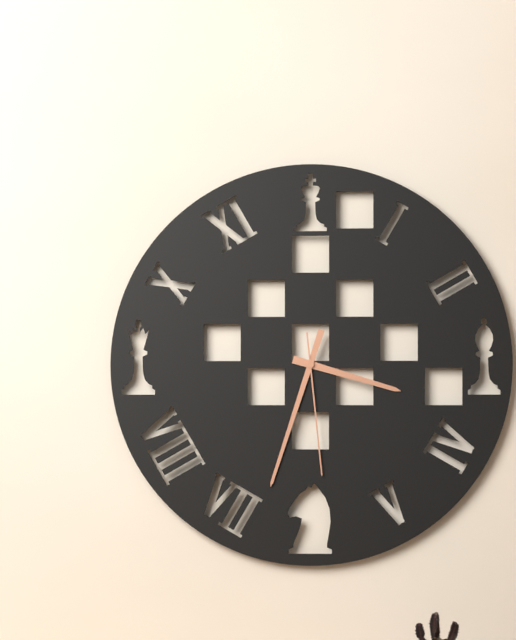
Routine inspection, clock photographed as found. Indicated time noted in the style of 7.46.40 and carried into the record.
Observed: 3.33.29
